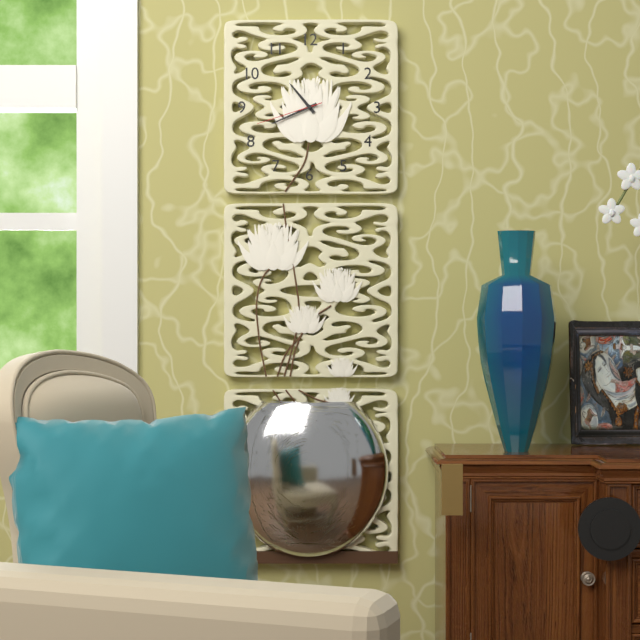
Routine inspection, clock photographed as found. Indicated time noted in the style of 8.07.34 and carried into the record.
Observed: 10.41.42
